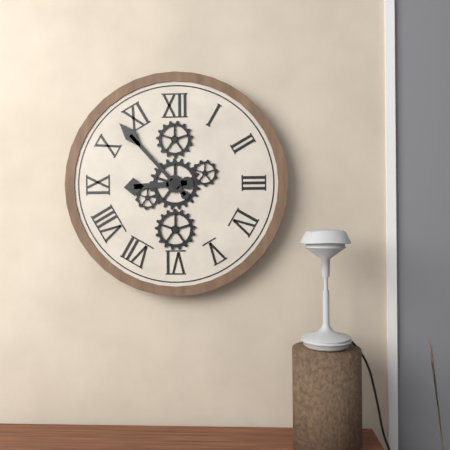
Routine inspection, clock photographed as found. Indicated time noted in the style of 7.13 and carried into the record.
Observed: 8.53
